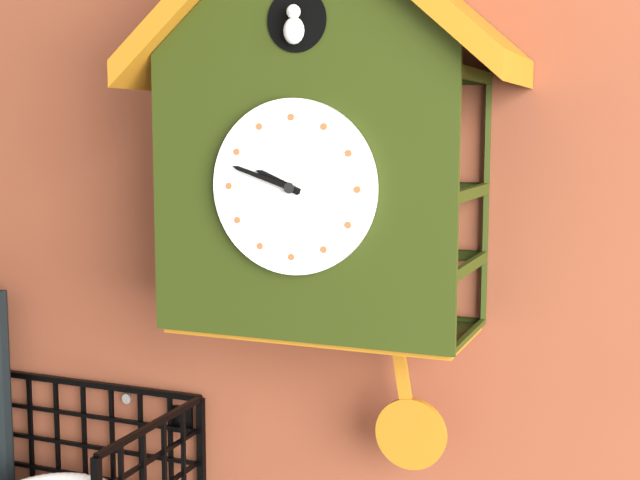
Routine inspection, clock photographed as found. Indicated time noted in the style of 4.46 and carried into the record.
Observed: 9.48
